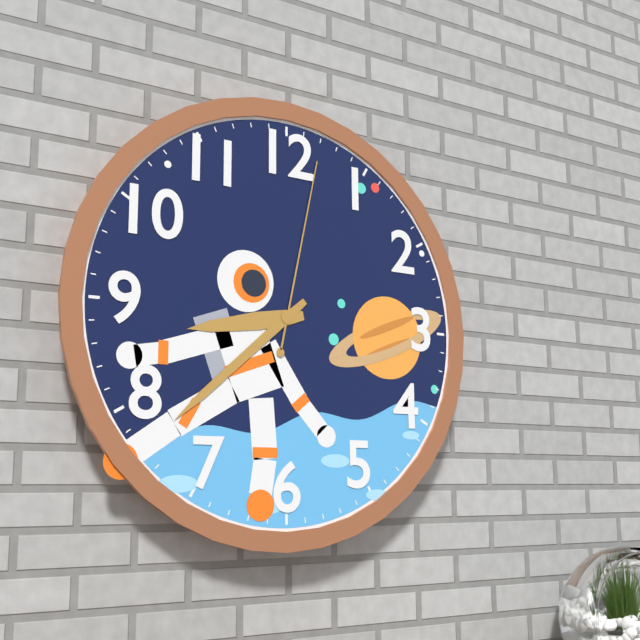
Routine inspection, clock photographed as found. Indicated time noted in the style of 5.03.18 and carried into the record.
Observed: 8.38.02
